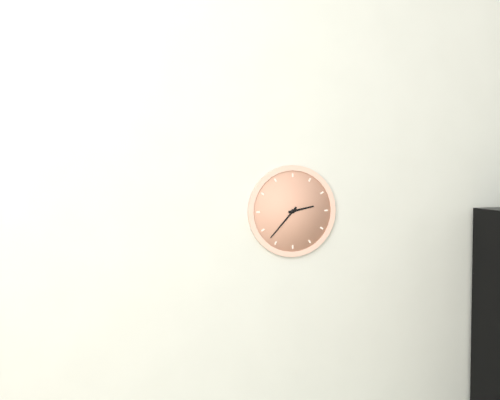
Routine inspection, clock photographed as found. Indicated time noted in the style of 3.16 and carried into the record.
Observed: 2.37
